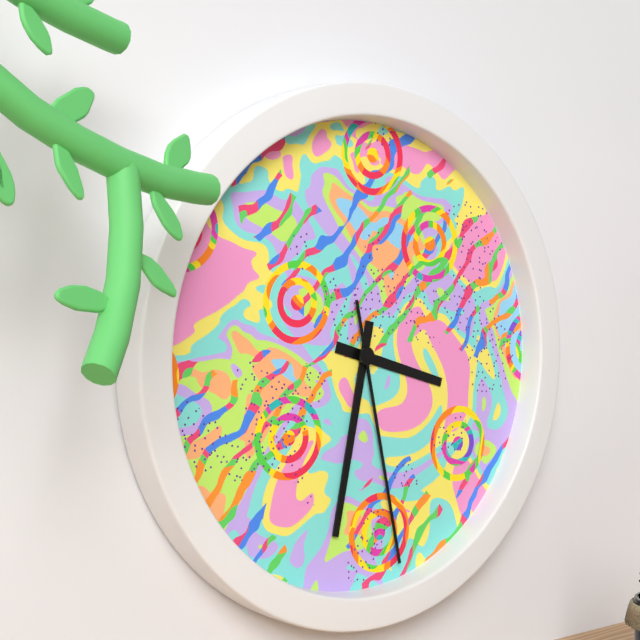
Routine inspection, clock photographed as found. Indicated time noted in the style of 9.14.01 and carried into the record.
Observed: 3.32.28
